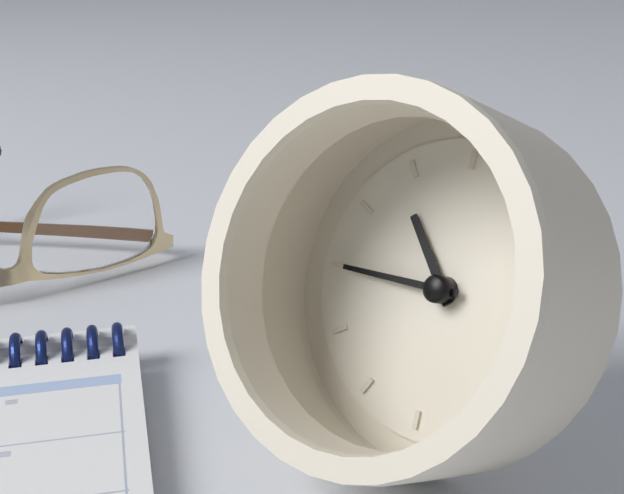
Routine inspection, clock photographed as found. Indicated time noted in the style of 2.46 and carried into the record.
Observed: 10.45
